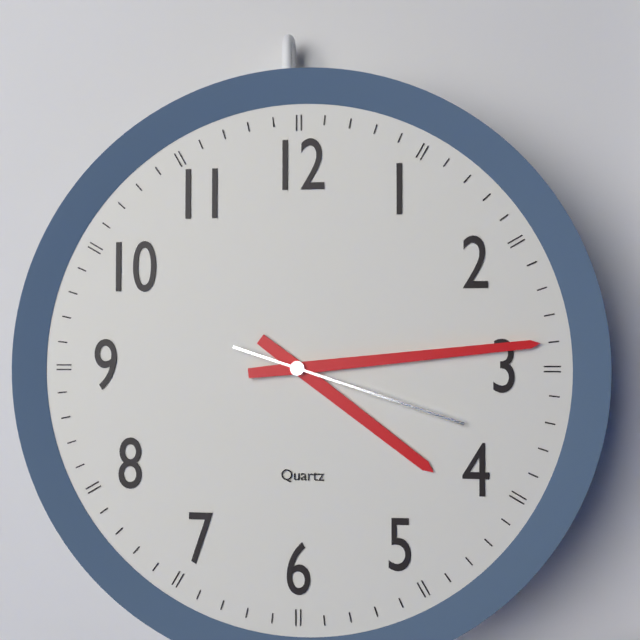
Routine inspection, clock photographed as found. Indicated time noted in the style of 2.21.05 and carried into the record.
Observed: 4.14.18
